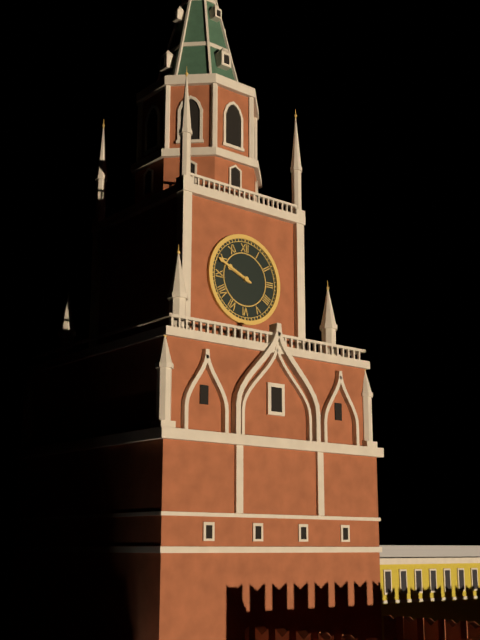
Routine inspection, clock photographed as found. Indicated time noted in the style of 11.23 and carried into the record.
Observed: 9.49
